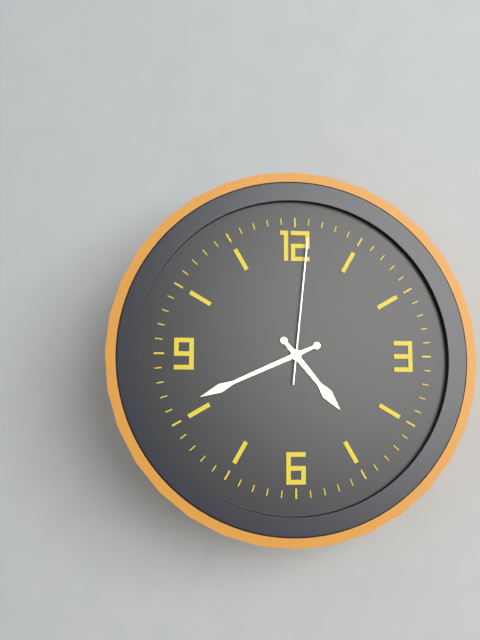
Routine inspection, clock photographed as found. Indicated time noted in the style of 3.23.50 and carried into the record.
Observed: 4.41.01
